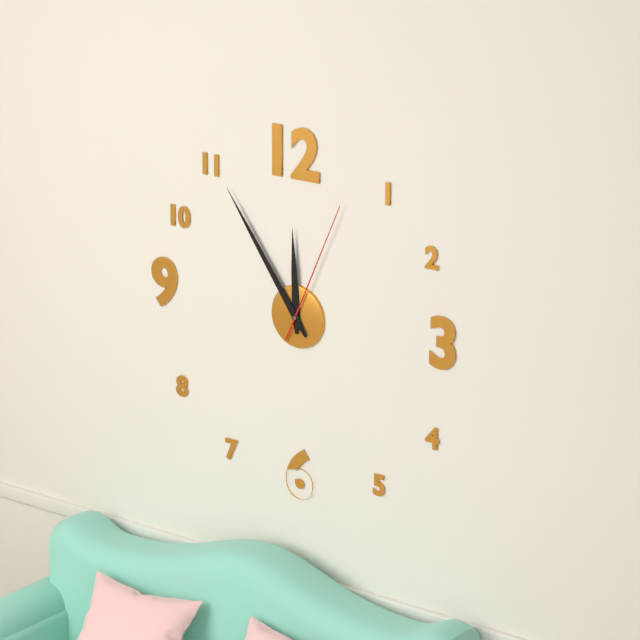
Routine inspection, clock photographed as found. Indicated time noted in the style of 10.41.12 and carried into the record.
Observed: 11.54.04
